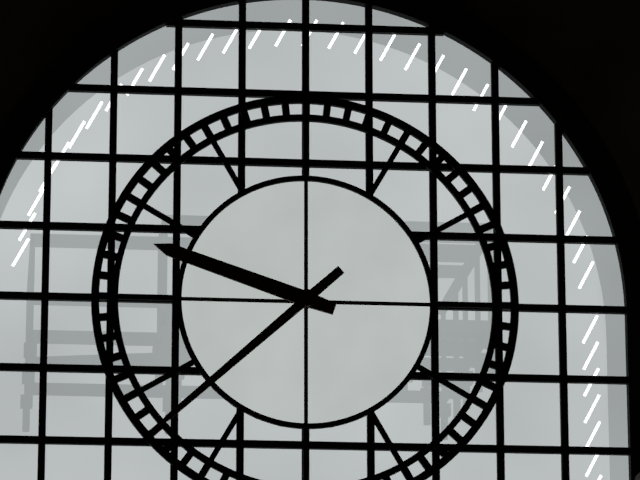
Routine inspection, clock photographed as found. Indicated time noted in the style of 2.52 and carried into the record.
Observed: 9.38
